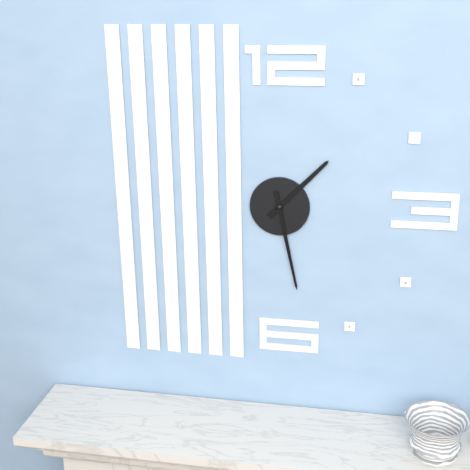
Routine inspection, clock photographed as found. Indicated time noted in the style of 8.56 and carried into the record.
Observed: 1.28
